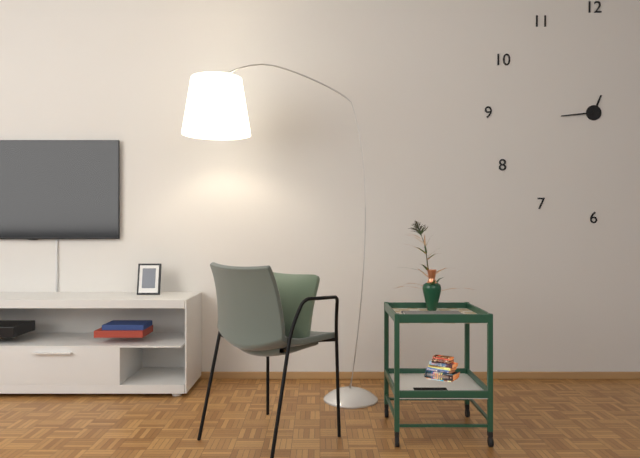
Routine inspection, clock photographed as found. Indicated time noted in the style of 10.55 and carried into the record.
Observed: 12.44
